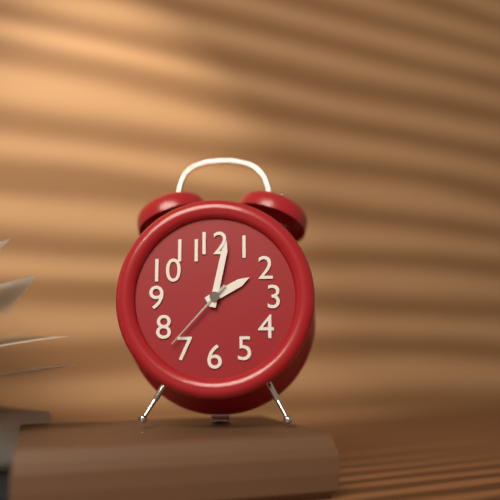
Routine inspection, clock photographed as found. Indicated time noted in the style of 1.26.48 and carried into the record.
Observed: 2.02.37
